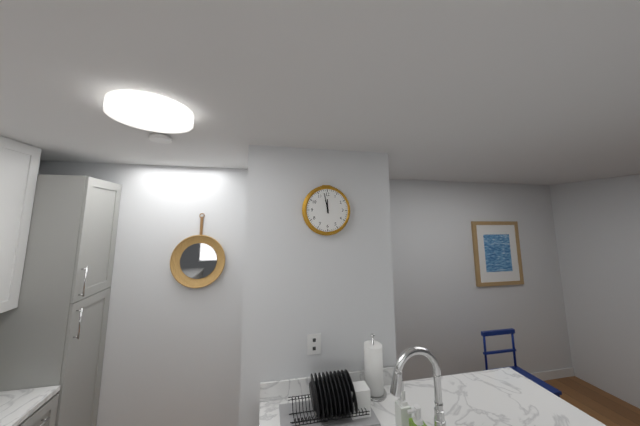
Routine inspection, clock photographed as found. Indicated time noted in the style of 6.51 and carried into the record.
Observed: 11.58
